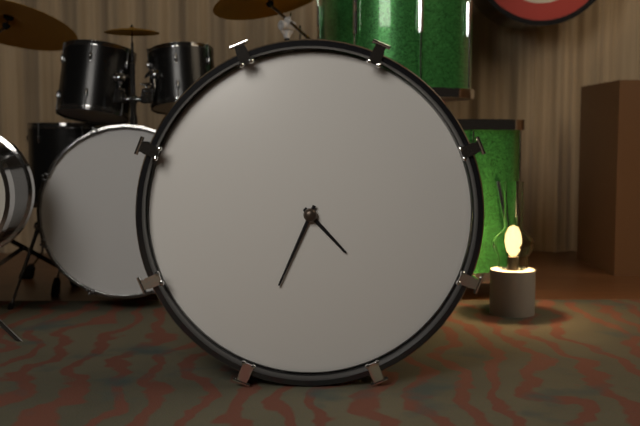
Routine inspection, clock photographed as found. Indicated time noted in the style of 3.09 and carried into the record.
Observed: 4.34
